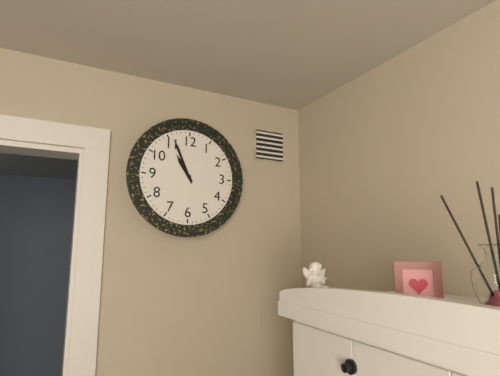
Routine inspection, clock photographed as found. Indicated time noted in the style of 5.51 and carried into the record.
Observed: 10.56
